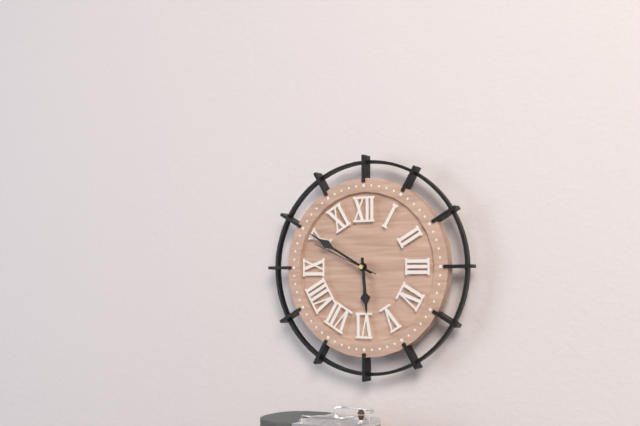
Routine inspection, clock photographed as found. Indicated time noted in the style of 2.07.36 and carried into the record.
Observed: 5.50.49
